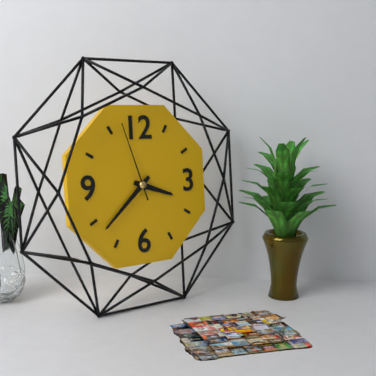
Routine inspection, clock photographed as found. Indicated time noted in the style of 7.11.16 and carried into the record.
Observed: 3.38.57
